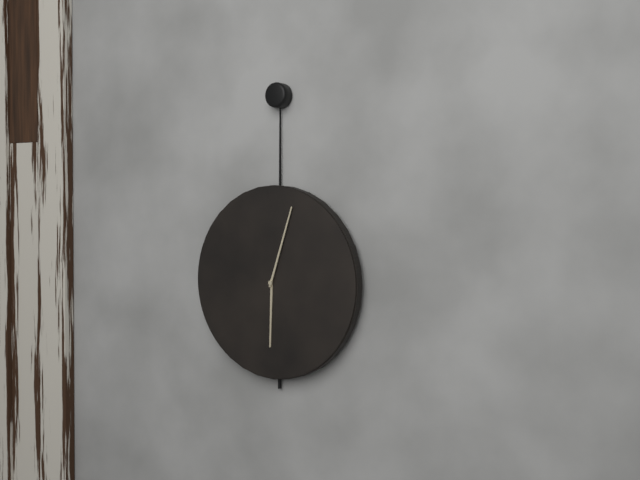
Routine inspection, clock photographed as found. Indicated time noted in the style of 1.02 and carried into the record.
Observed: 6.03
